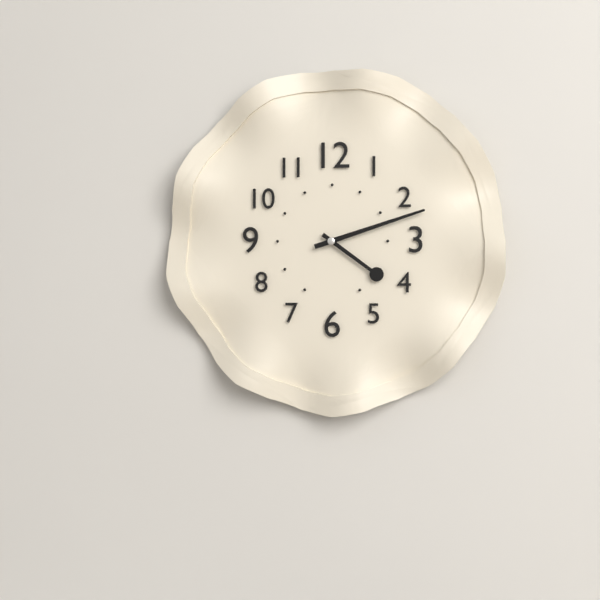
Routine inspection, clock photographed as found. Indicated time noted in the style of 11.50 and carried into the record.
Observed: 4.12
